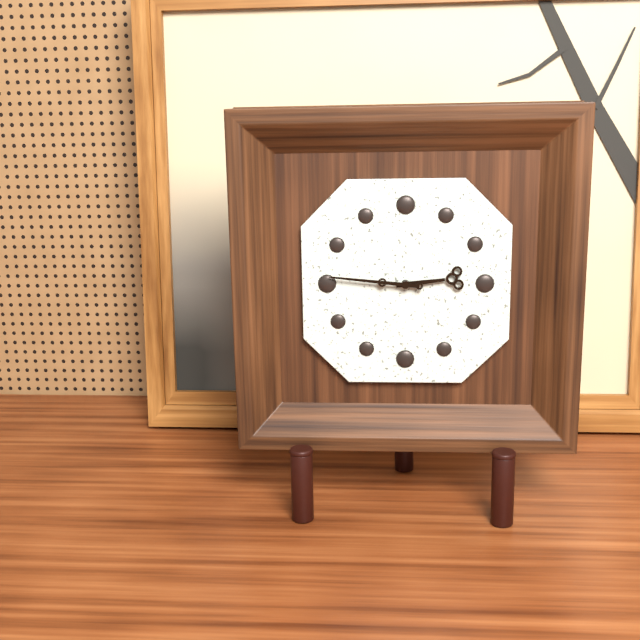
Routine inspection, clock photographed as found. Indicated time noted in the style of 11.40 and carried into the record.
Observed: 2.46
